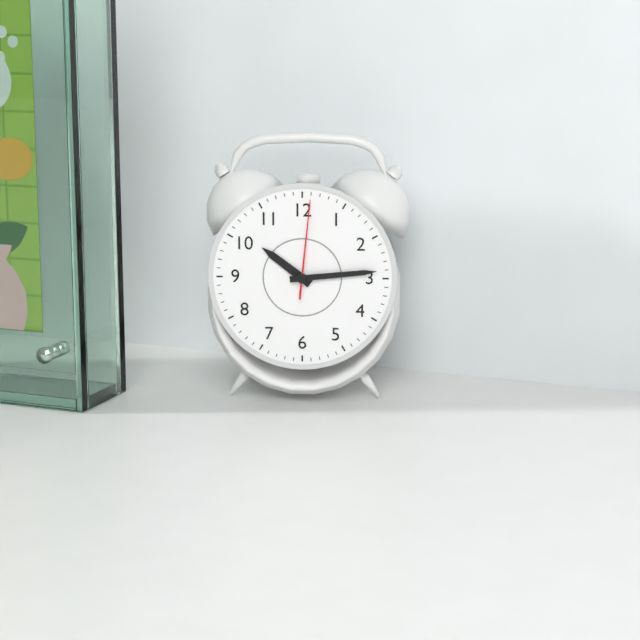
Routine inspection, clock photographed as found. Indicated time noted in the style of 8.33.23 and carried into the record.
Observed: 10.14.01
